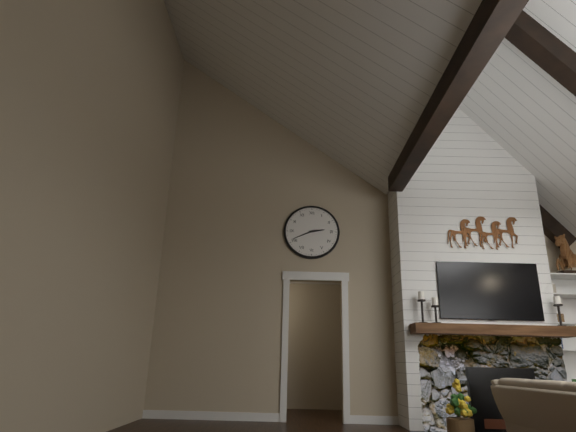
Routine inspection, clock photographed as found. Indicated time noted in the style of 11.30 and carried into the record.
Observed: 2.41
